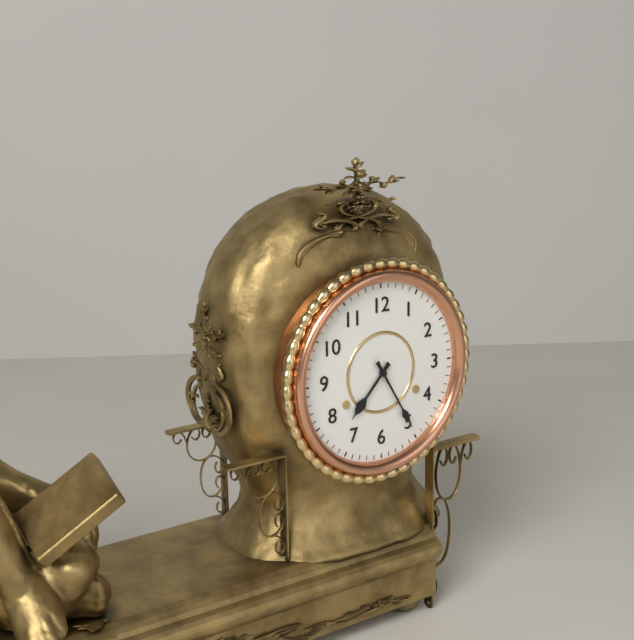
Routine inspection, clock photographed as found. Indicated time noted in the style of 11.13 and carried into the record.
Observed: 7.25
